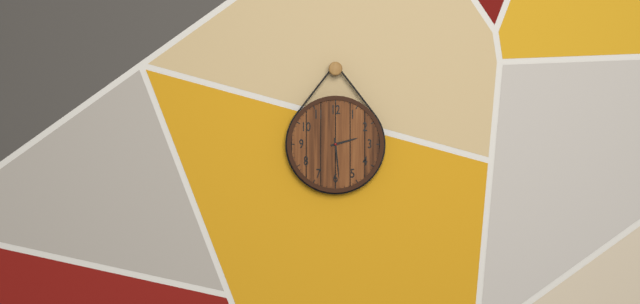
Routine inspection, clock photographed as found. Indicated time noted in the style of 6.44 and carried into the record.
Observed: 2.29
